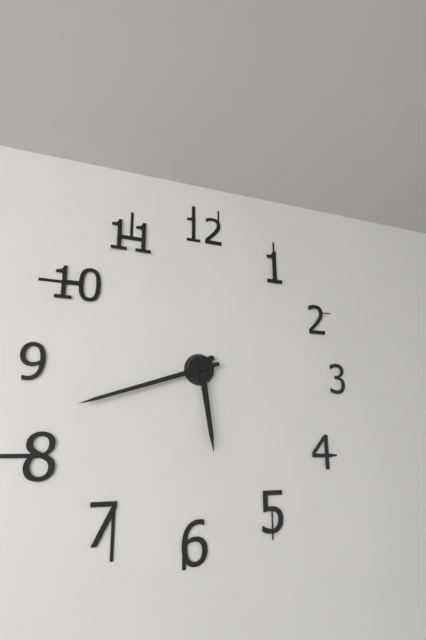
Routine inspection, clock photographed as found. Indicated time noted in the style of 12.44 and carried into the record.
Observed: 5.42
